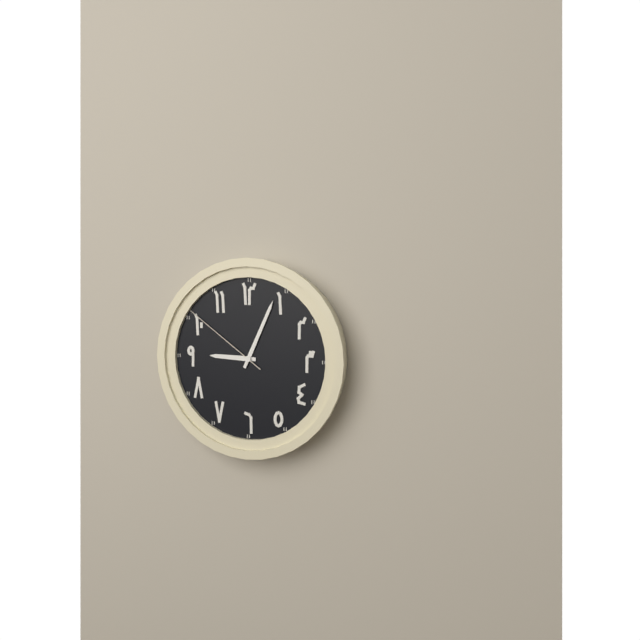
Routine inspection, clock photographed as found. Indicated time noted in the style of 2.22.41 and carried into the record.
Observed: 9.04.51
